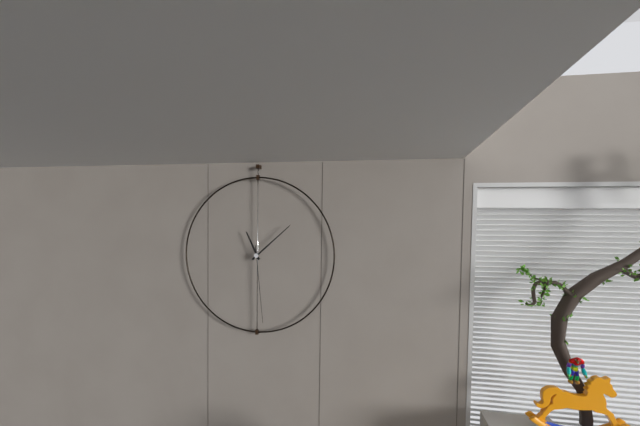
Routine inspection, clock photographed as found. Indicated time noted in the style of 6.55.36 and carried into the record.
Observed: 11.08.29
